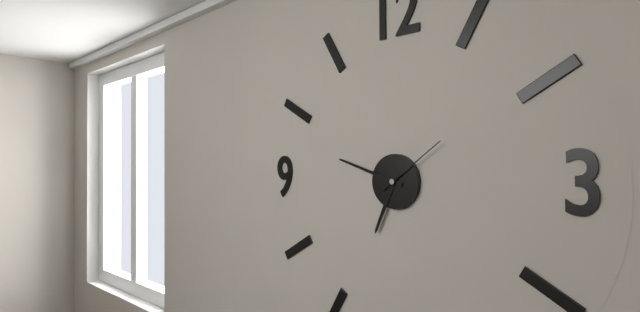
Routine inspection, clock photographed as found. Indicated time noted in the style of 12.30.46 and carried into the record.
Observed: 6.48.09
